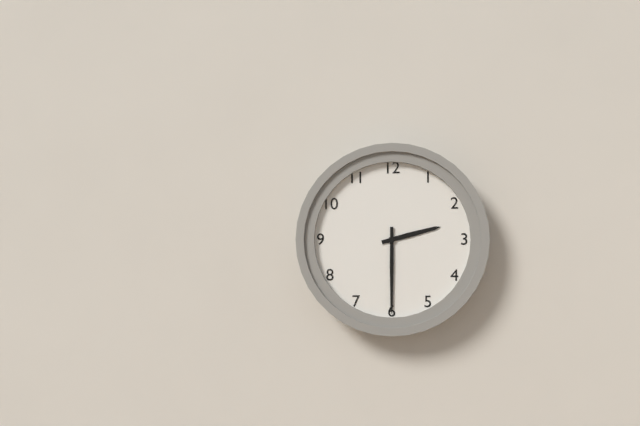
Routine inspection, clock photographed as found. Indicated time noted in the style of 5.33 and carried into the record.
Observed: 2.30
